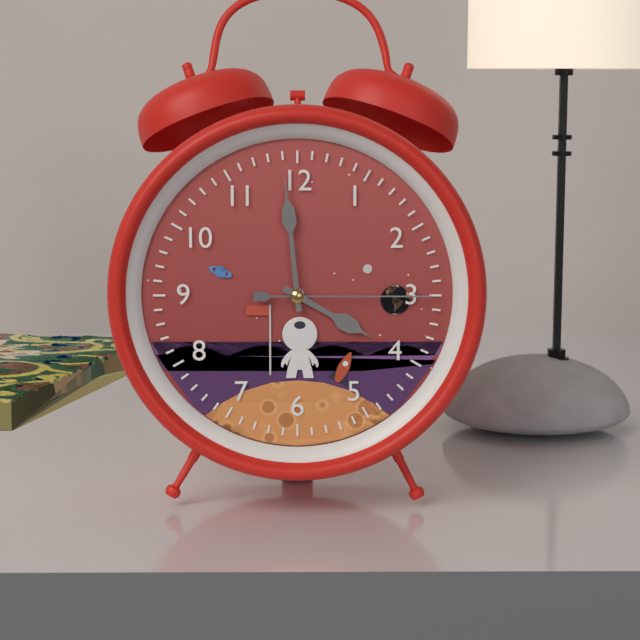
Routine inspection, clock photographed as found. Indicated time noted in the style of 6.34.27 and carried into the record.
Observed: 3.59.15
